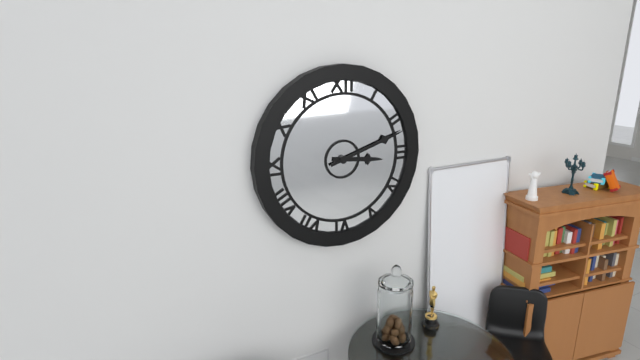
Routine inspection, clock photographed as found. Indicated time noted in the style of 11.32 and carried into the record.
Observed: 3.12
